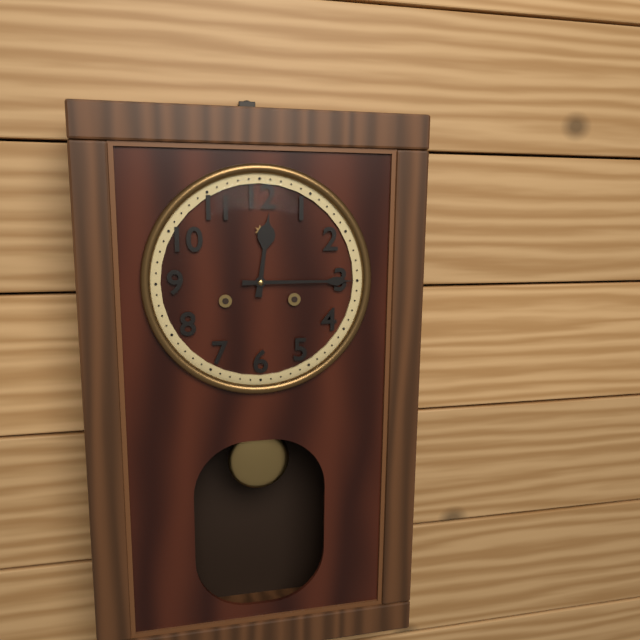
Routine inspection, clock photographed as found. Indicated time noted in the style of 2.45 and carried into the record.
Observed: 12.15
